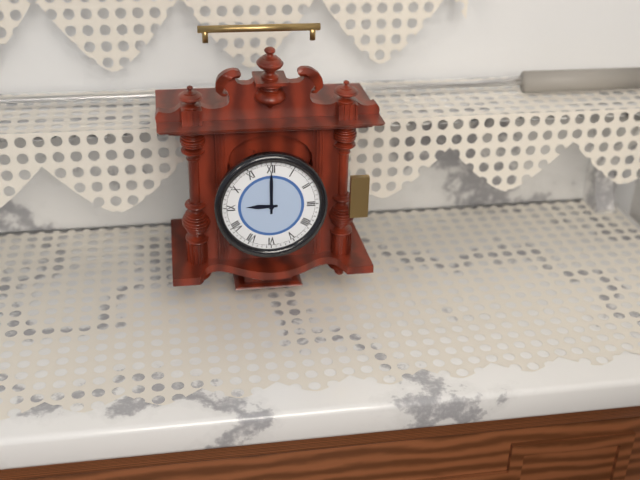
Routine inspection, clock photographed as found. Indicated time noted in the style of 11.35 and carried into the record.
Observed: 9.00
